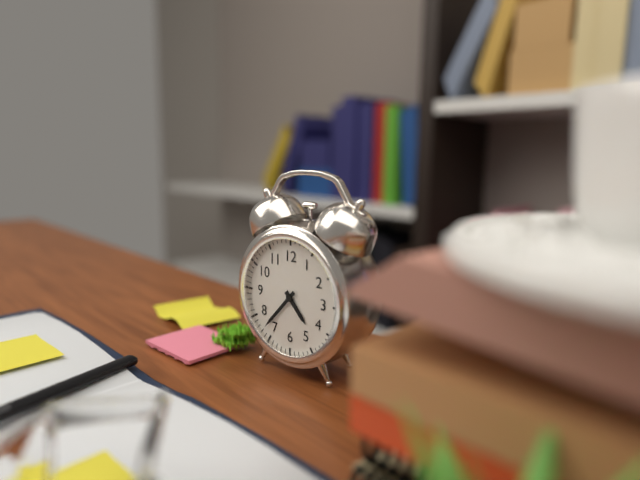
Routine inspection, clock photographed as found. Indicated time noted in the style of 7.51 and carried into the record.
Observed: 4.37
